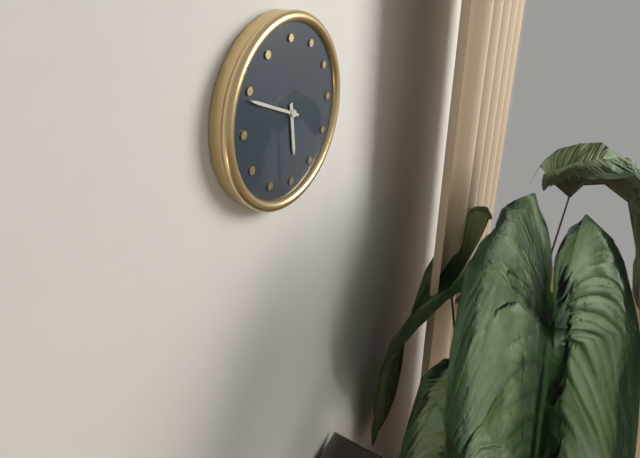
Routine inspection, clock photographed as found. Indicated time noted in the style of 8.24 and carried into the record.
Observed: 5.49
